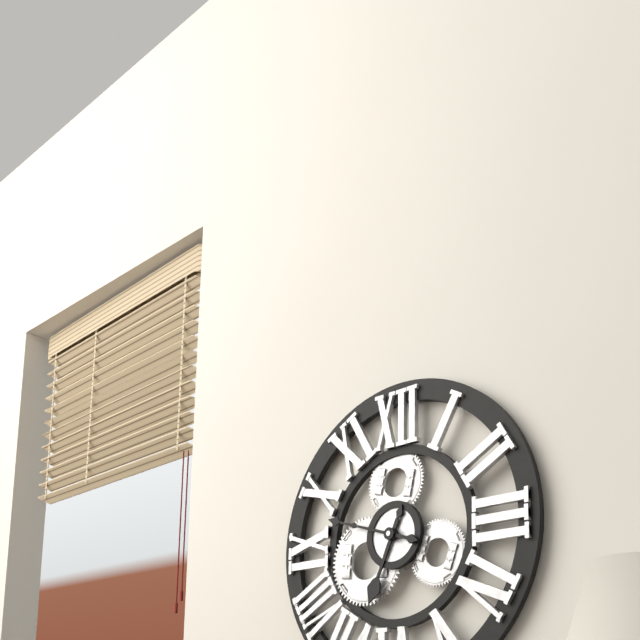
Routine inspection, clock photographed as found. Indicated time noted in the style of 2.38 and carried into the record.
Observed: 6.48
